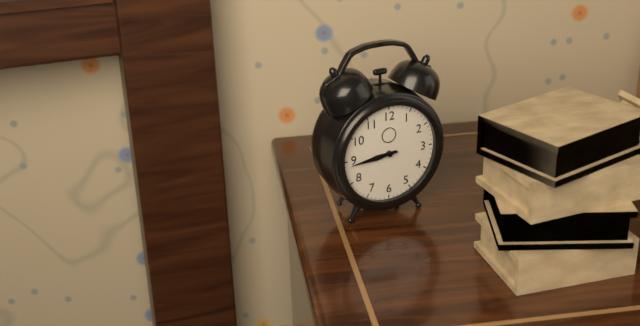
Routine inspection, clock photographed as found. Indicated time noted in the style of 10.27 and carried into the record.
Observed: 8.44
